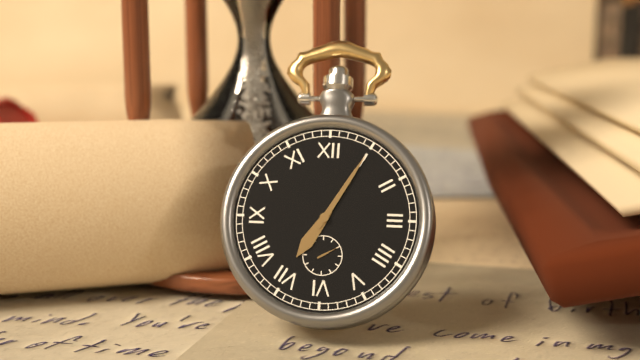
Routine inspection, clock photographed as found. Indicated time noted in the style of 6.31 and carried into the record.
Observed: 7.05
